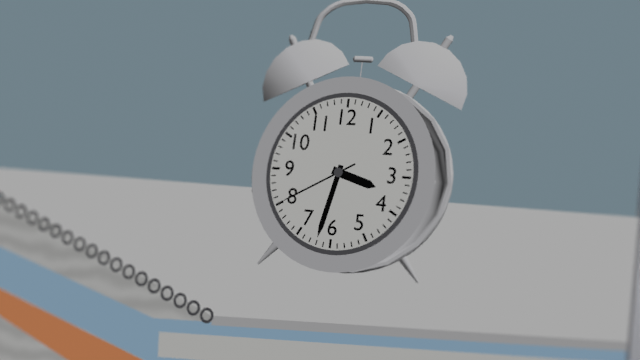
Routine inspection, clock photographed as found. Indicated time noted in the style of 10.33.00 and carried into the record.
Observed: 3.32.40
